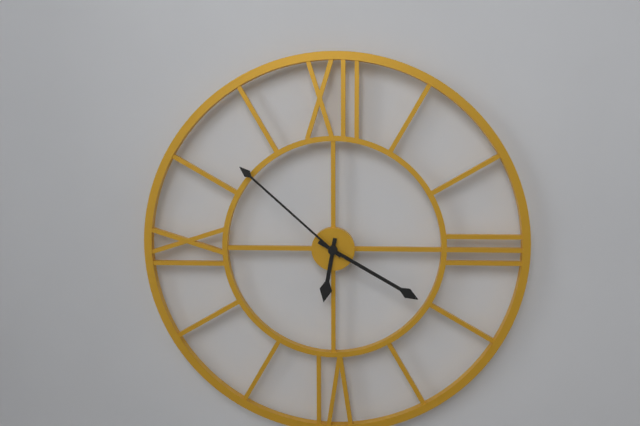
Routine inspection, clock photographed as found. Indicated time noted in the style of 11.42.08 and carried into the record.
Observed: 6.20.52
